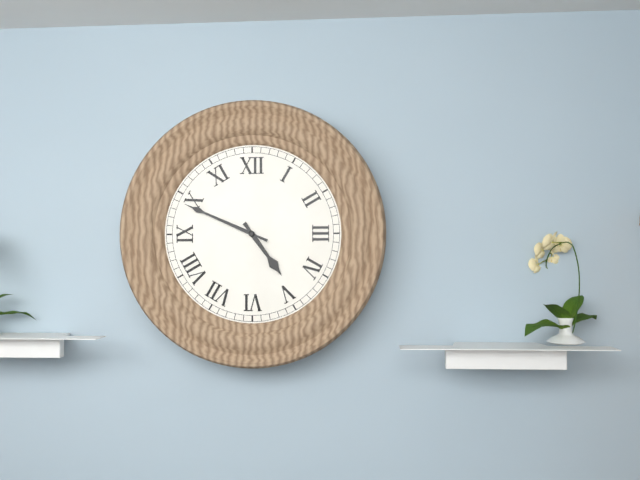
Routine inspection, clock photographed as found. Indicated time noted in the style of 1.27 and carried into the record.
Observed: 4.49
